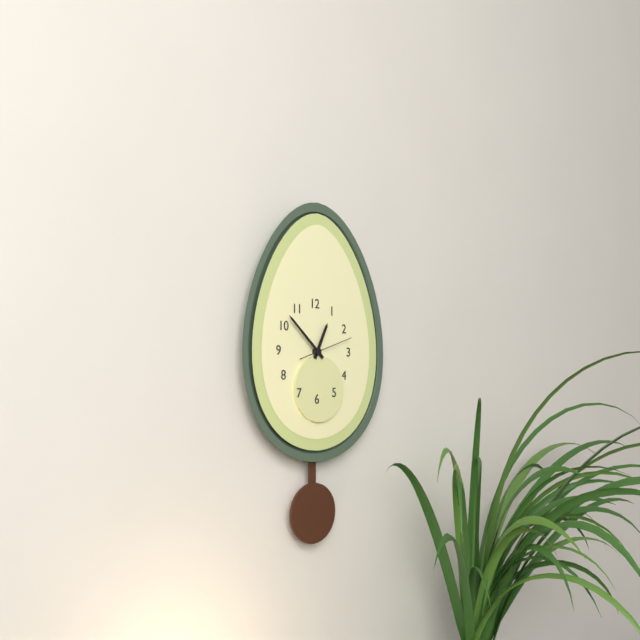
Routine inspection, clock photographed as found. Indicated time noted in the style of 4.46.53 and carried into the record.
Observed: 12.52.12
